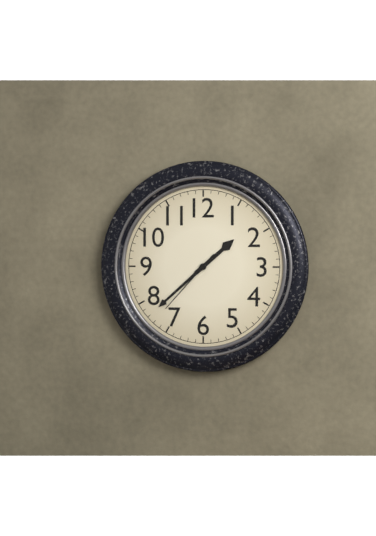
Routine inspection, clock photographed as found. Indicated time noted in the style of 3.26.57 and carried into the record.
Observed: 1.38.37
